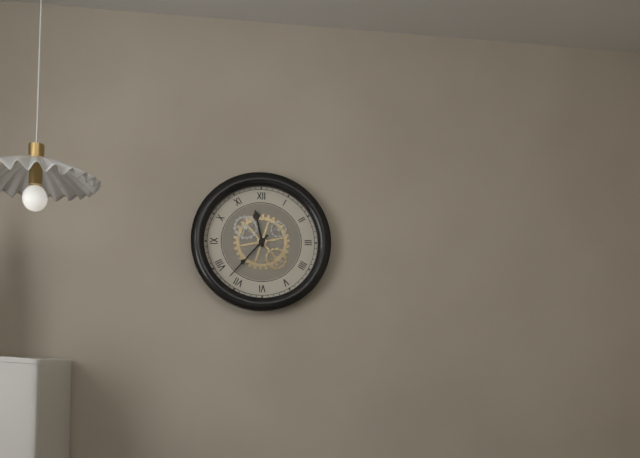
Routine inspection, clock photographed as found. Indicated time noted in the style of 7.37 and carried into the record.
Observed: 11.37
